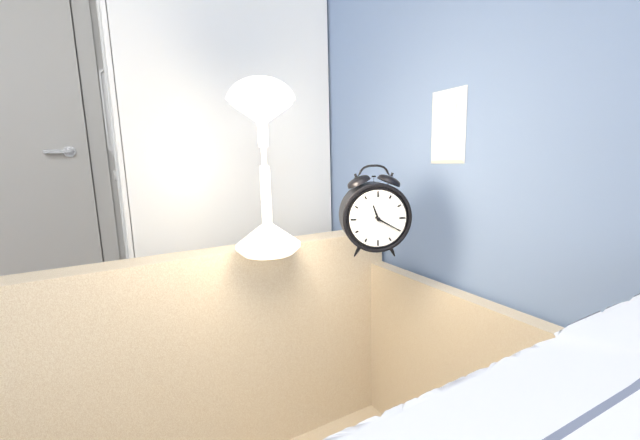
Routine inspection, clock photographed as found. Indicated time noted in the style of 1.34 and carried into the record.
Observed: 11.20
